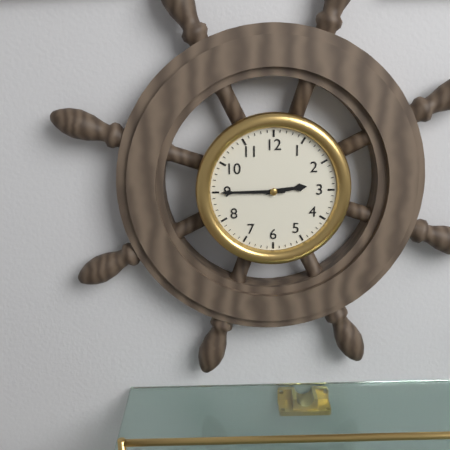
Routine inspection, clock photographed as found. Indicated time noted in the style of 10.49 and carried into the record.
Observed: 2.45
